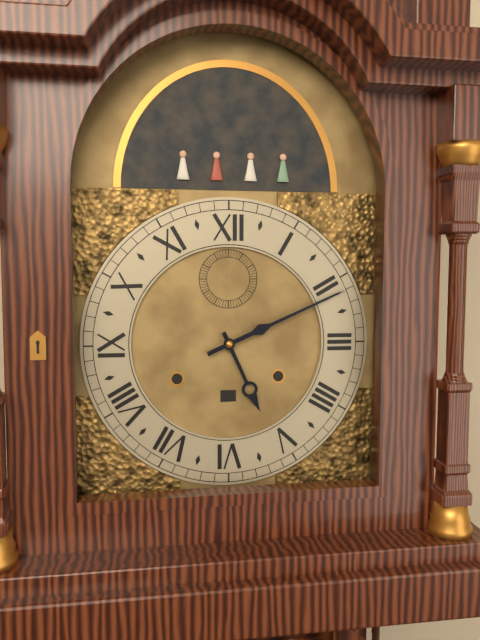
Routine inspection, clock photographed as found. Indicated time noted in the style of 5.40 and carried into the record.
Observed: 5.11
